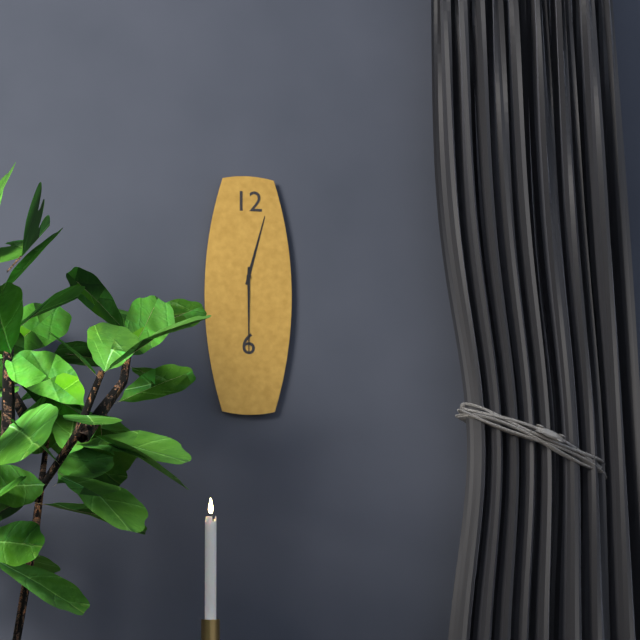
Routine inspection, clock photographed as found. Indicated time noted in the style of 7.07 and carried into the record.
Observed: 12.30
